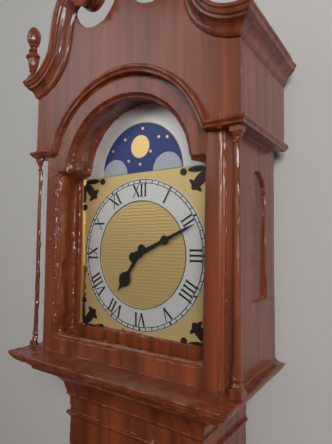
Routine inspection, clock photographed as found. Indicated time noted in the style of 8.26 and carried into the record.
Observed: 7.11
